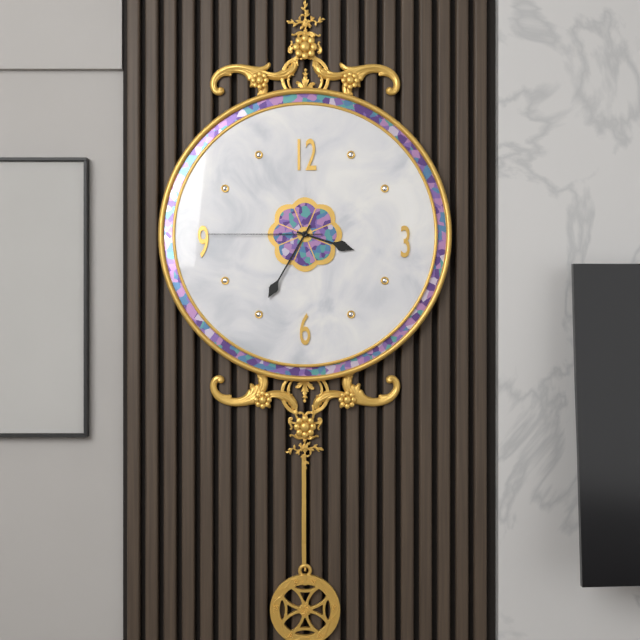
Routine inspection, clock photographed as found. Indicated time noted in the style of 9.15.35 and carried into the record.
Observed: 3.35.45
